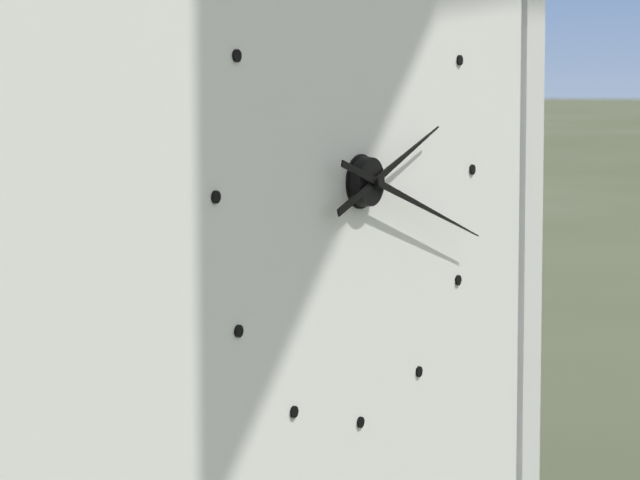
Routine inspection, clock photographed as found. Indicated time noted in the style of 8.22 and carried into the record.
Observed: 2.18
